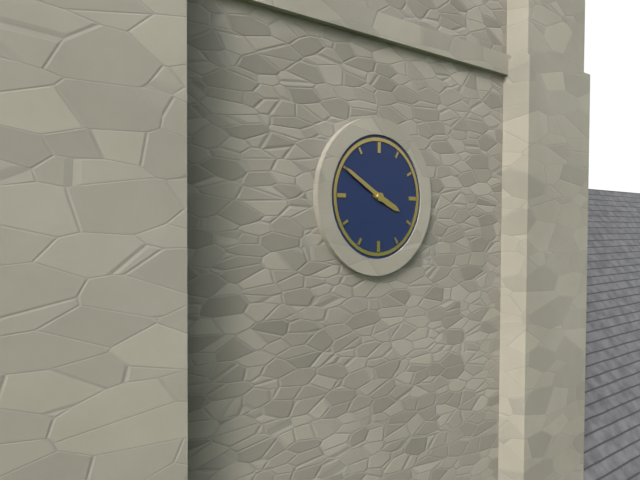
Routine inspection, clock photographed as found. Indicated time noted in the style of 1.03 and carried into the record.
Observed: 3.50
